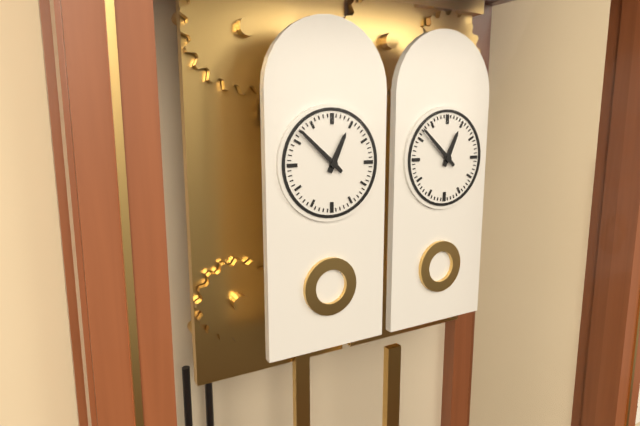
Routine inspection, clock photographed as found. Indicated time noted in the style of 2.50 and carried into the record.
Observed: 12.52
